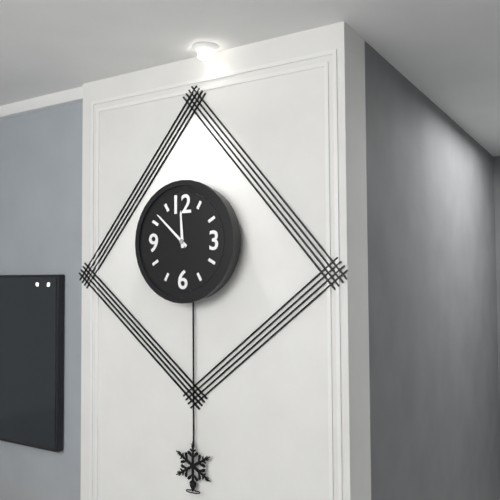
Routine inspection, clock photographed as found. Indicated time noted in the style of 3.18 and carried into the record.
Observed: 11.52
